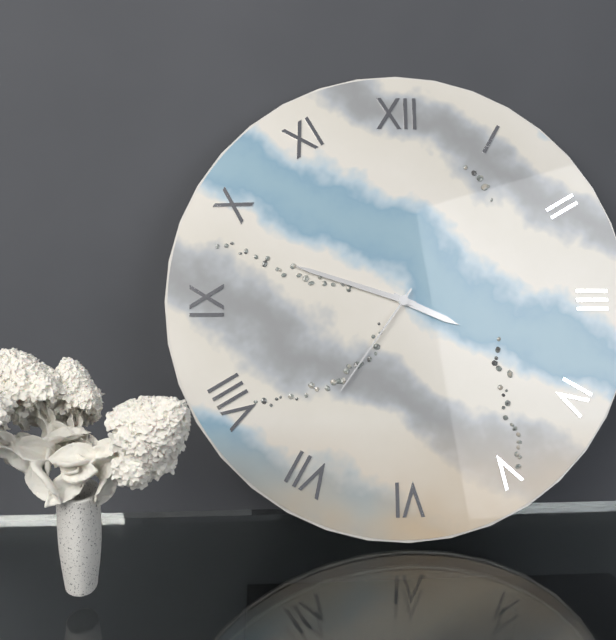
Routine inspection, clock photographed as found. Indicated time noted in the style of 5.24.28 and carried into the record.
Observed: 3.48.36
